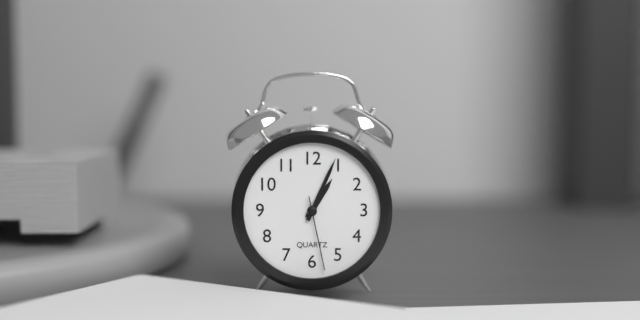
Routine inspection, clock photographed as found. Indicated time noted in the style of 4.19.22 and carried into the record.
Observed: 1.04.28
